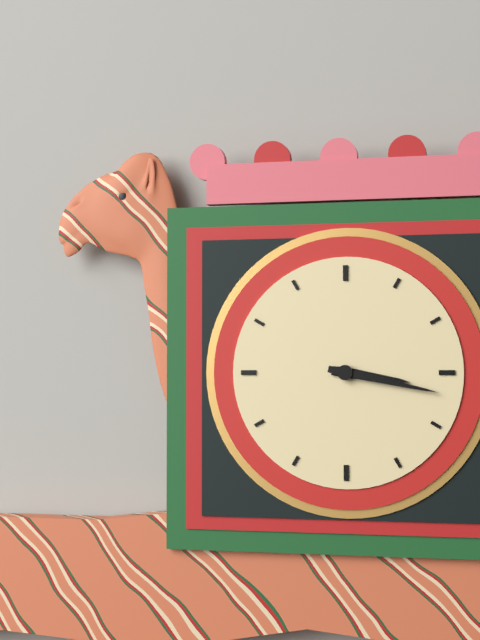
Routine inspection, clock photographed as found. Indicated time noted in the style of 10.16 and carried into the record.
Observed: 3.17
